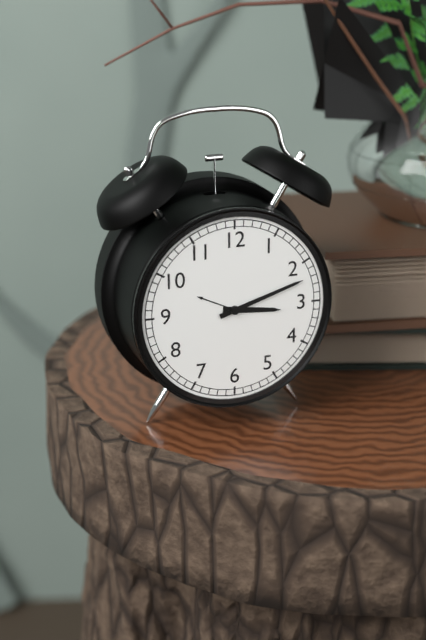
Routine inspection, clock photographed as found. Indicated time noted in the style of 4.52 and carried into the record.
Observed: 3.12
